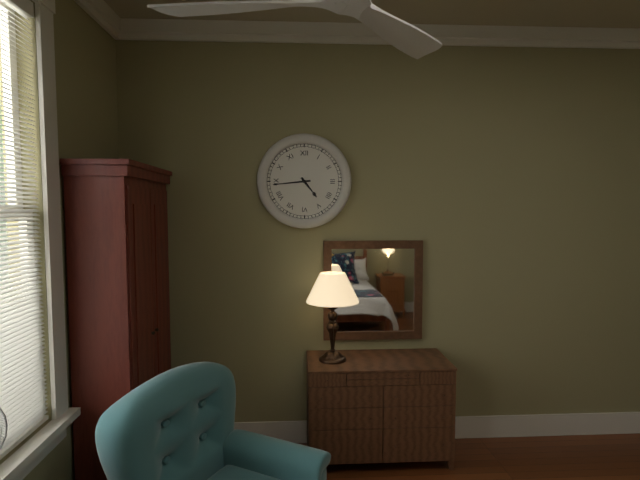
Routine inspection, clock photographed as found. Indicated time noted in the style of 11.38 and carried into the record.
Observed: 4.44
